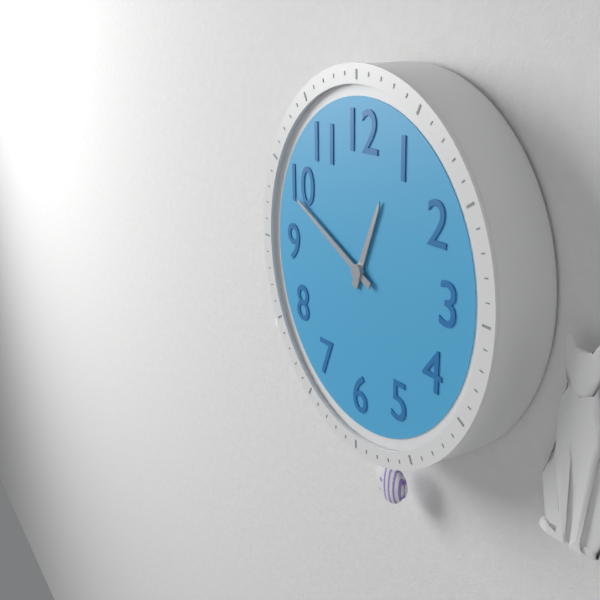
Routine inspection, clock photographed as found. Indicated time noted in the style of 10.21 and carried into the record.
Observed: 12.49
